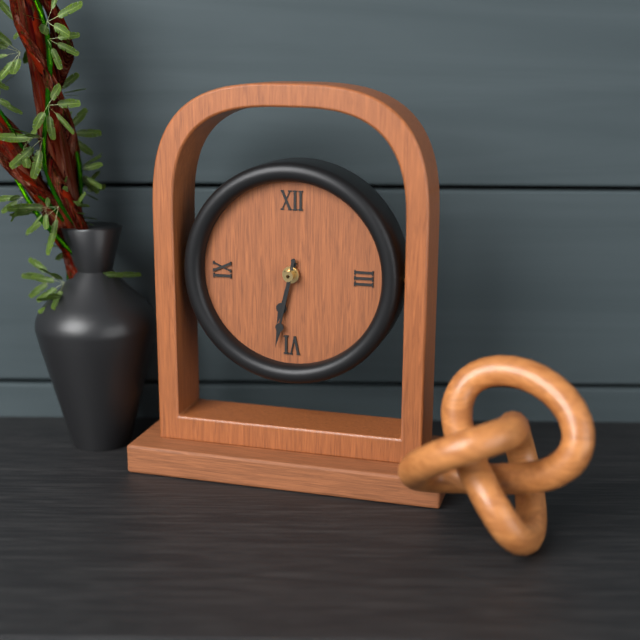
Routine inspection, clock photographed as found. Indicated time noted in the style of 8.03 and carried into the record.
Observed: 6.32
